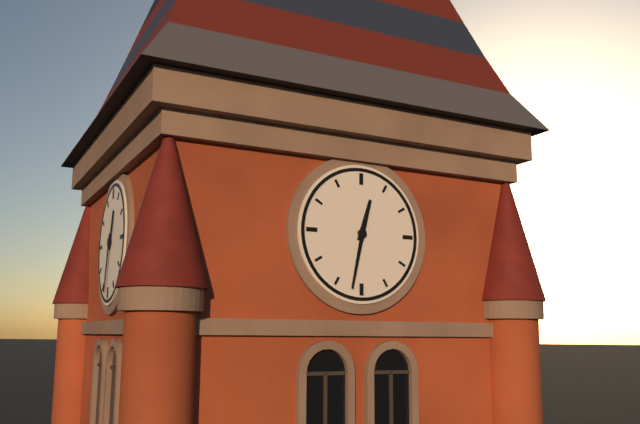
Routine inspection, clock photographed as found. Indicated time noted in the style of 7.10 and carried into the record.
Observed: 12.32
